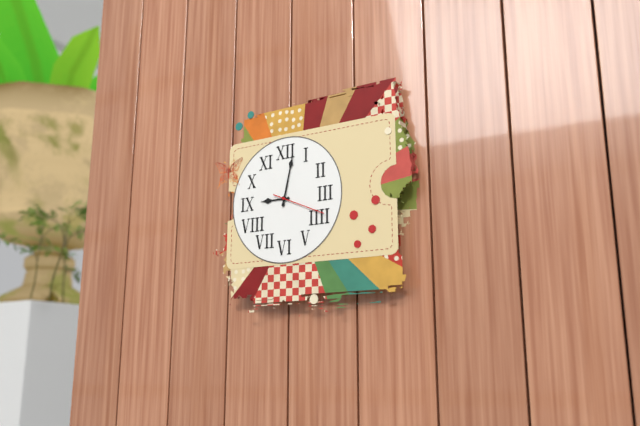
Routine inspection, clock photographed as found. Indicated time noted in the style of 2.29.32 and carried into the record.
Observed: 9.02.19
